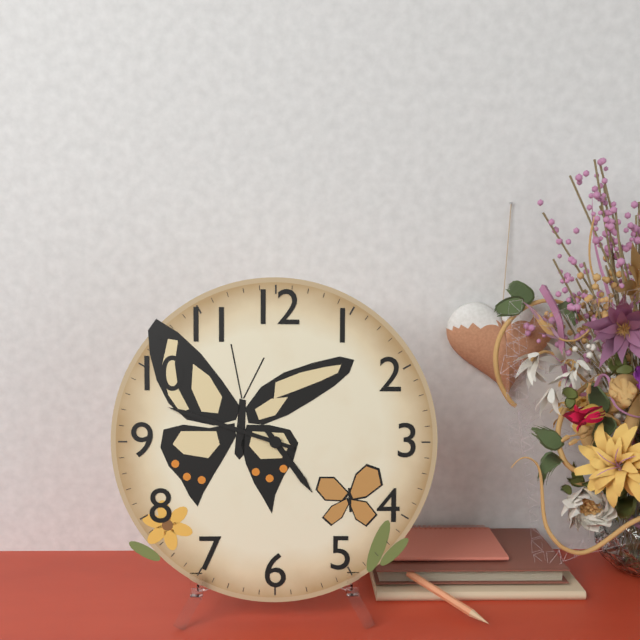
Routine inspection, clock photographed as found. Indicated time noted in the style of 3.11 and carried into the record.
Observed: 4.48
